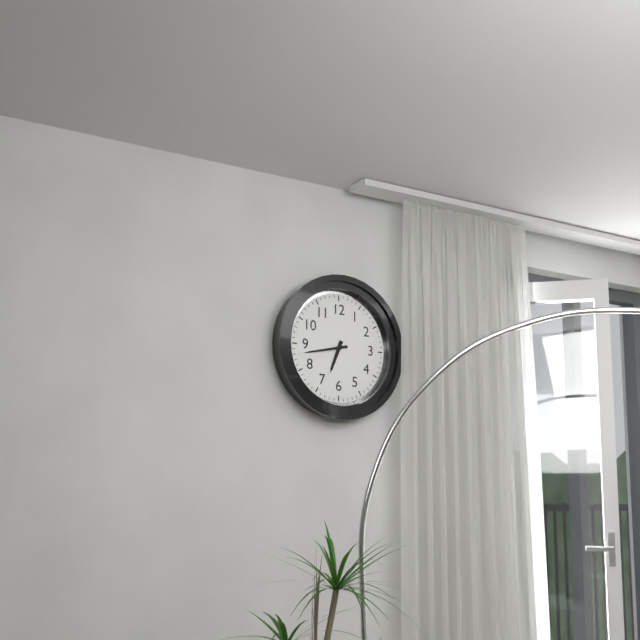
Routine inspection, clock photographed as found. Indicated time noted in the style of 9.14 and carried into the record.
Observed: 6.43
